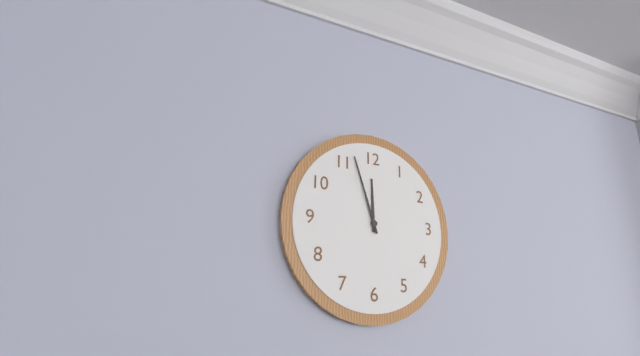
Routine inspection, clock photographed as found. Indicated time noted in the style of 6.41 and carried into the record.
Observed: 11.57
